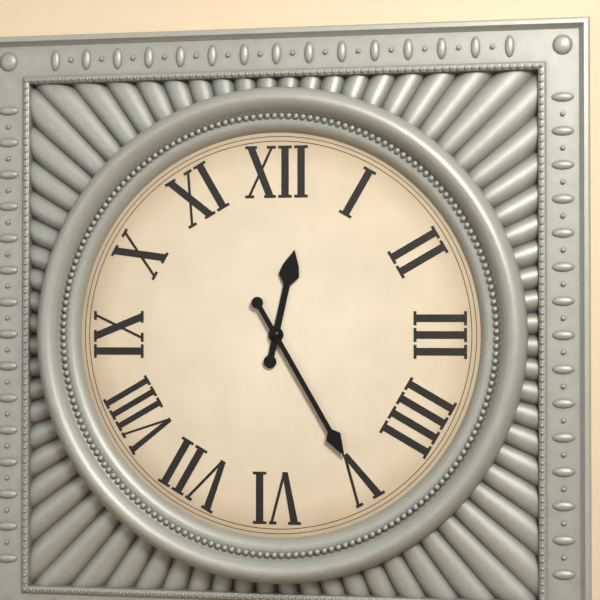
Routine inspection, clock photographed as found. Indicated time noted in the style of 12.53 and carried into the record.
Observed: 12.25
